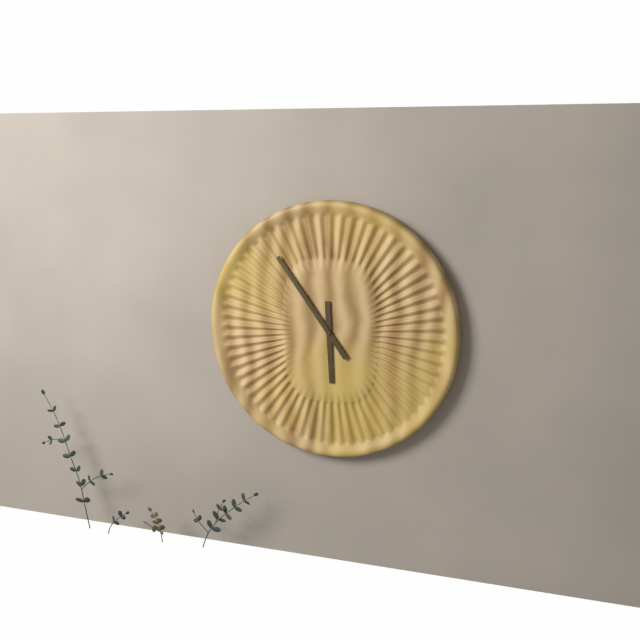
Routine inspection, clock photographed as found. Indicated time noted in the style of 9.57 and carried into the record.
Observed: 5.54
